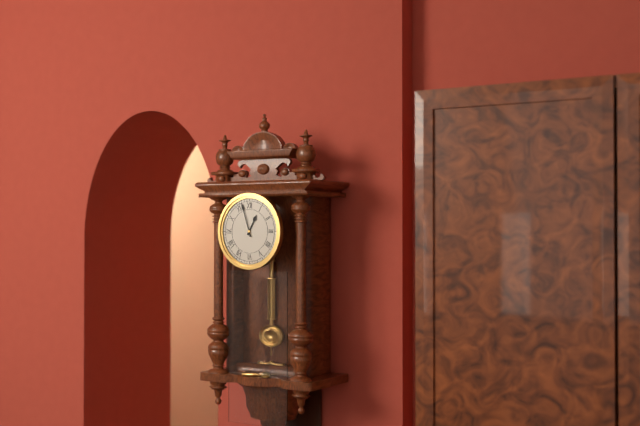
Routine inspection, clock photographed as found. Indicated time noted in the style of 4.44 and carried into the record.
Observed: 12.57
